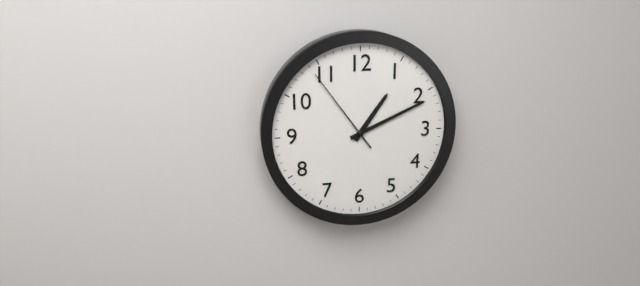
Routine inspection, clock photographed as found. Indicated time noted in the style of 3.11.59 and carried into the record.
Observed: 1.11.54
